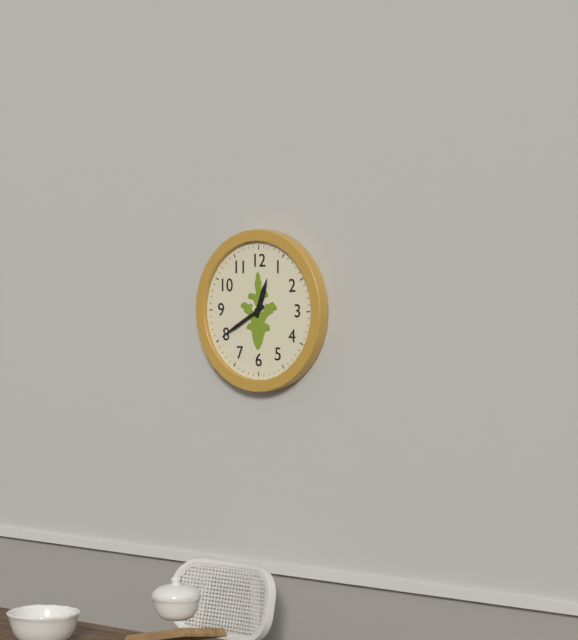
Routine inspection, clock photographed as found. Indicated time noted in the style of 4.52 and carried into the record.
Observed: 12.40
